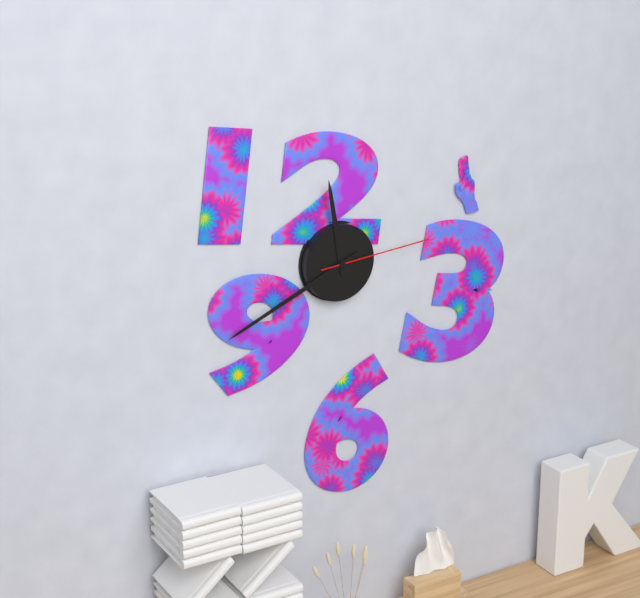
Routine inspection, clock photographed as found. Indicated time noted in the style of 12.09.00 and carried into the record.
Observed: 11.41.14
